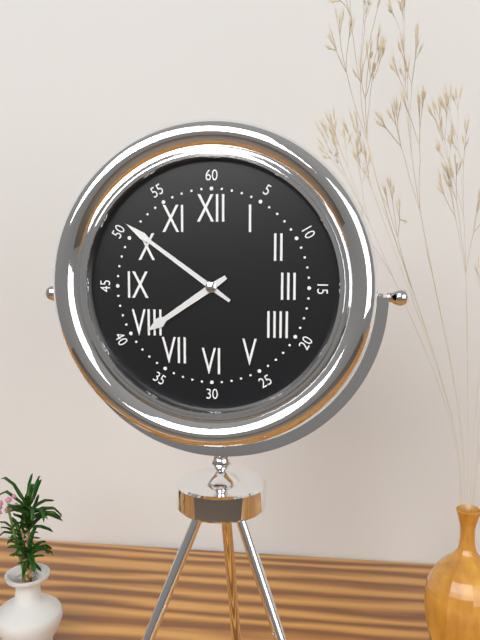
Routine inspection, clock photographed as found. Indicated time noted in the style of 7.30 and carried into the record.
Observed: 7.51
